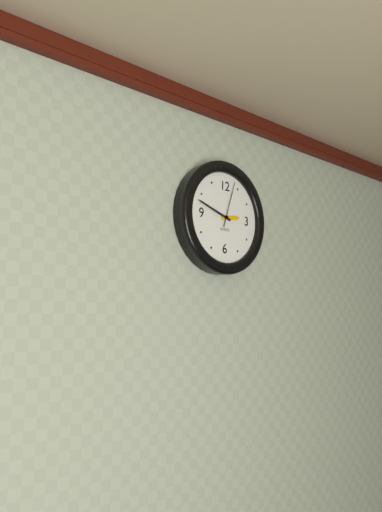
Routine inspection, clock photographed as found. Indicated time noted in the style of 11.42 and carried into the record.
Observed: 2.48
